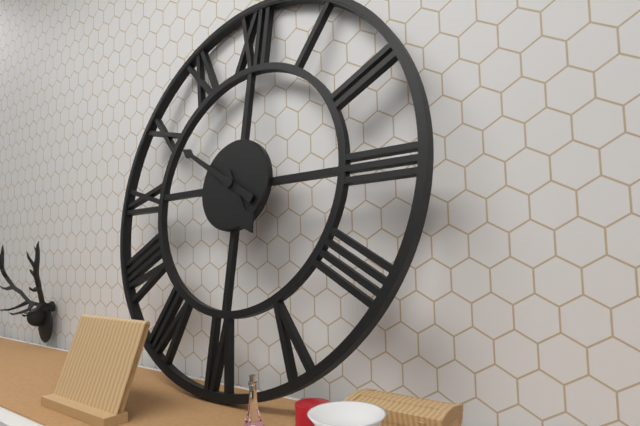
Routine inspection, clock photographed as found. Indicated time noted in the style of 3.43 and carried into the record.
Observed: 4.50
